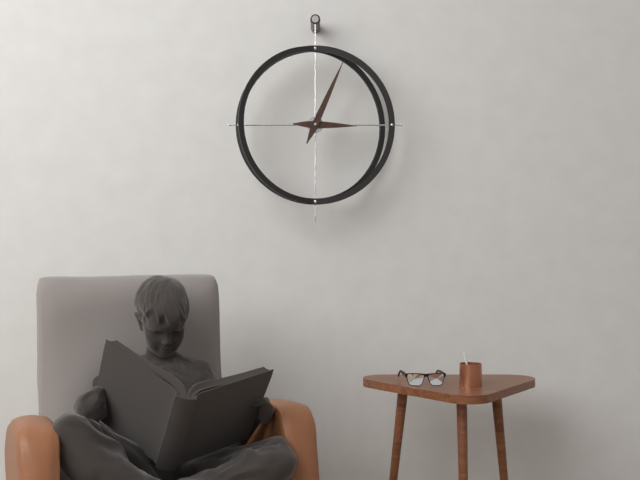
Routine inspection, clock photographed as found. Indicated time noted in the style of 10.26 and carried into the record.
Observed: 3.04
